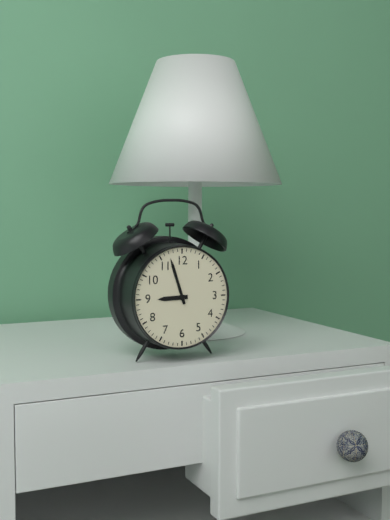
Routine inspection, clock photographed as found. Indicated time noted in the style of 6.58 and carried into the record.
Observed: 8.57
